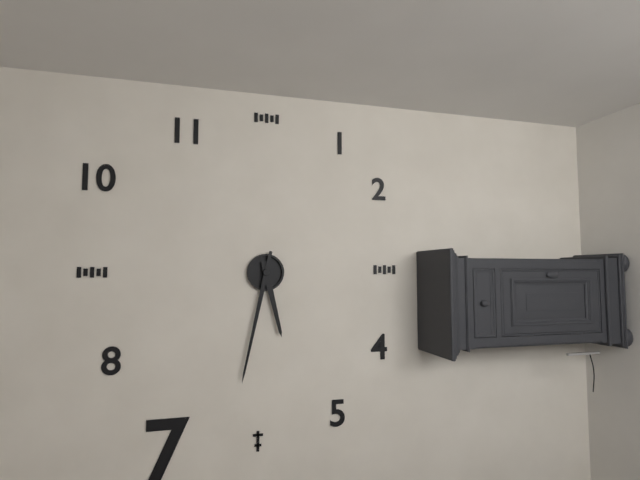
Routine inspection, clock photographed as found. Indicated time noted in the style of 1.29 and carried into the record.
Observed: 5.32
